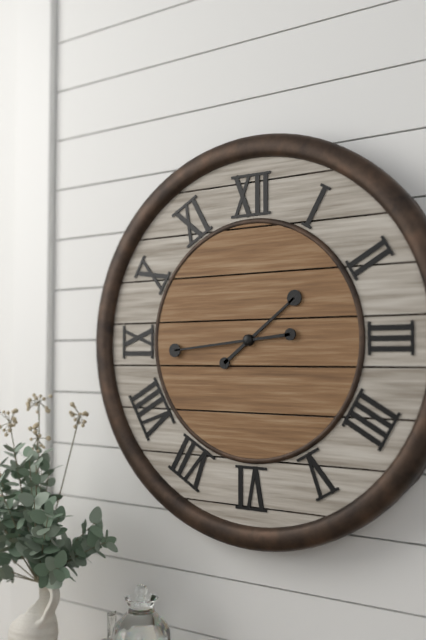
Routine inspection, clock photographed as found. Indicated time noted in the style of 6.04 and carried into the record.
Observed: 1.44
